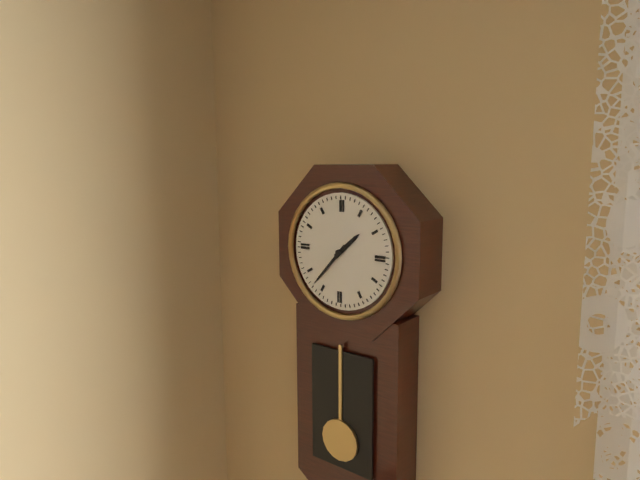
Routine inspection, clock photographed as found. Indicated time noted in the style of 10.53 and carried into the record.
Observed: 1.37
